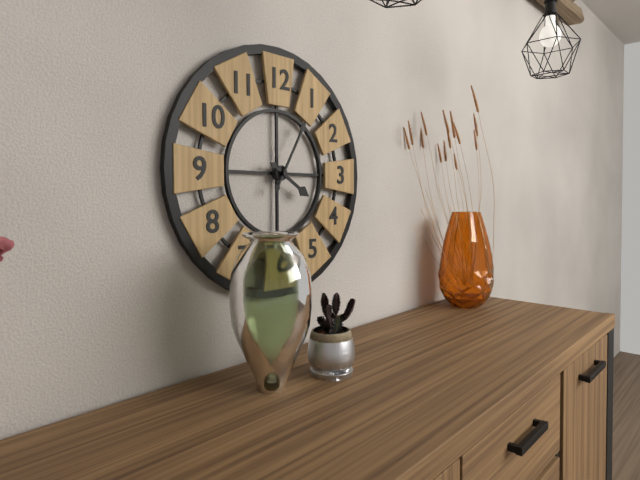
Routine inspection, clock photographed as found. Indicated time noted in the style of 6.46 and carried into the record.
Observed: 4.05
